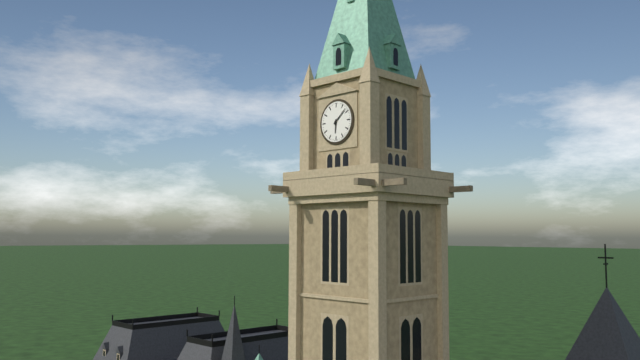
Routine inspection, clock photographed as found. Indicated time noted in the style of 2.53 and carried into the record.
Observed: 6.08
